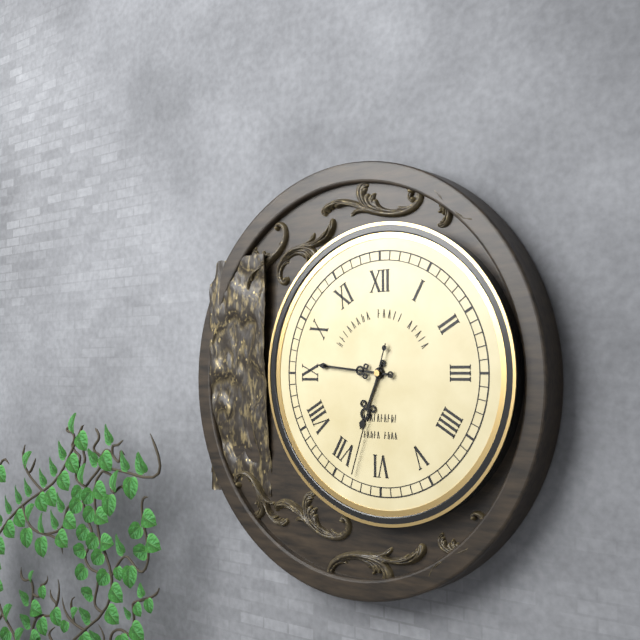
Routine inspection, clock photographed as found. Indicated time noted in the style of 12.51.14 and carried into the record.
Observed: 6.46.33
